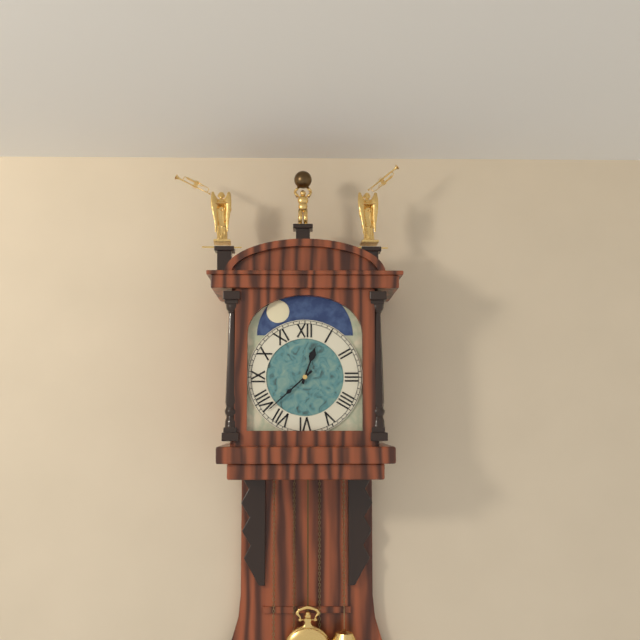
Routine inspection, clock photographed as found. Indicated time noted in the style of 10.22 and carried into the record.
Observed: 12.38
